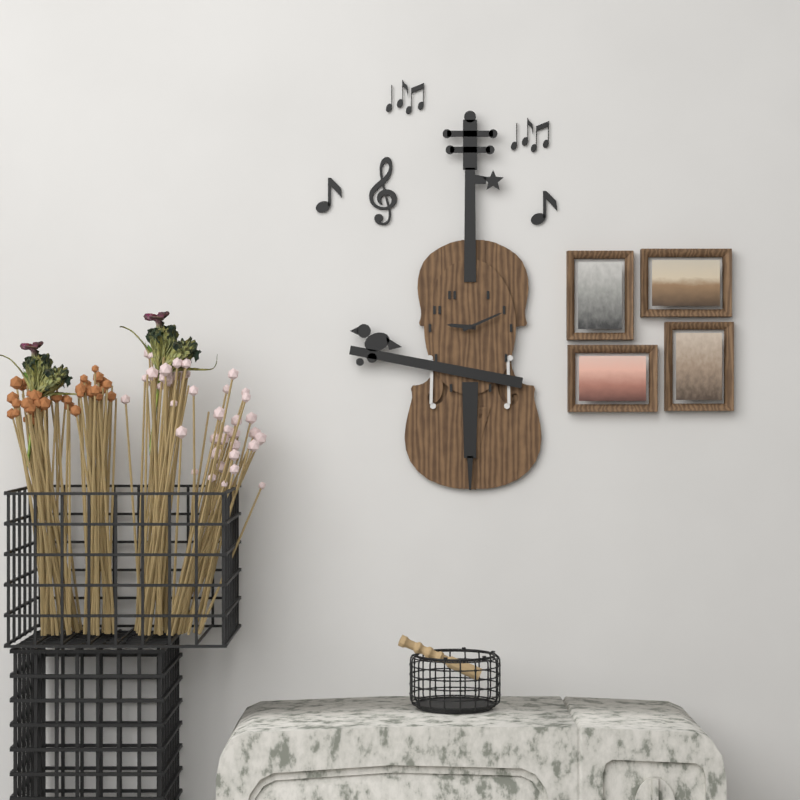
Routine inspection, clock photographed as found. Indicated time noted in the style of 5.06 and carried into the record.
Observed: 9.11
